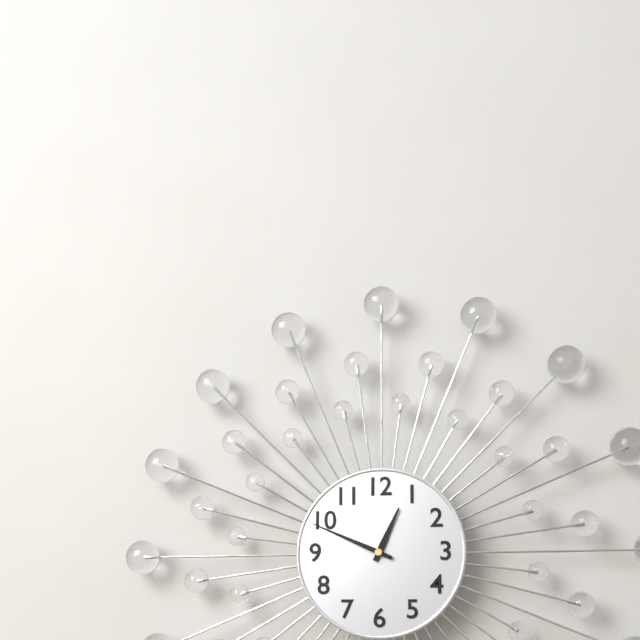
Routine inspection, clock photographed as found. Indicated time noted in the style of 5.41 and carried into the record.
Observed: 12.49
